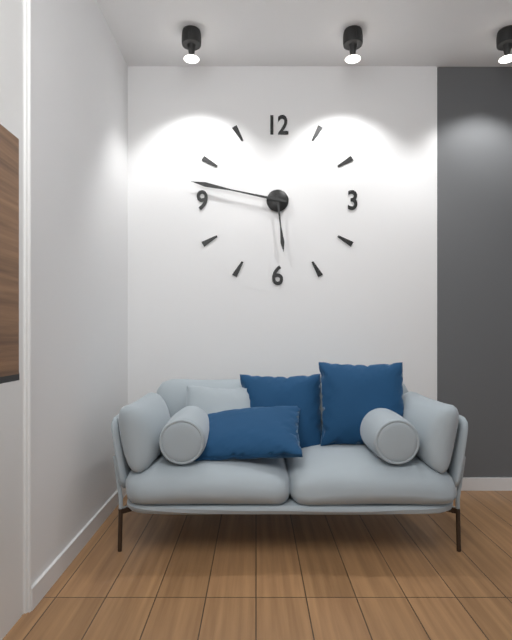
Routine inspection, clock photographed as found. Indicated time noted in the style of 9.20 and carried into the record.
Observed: 5.47
